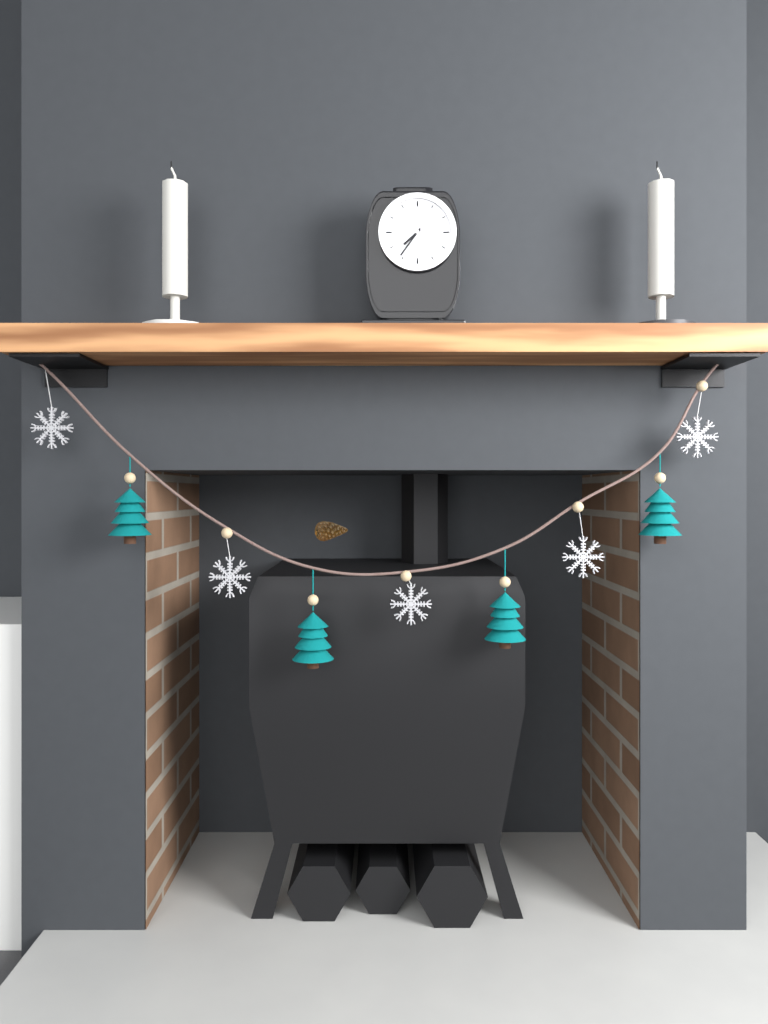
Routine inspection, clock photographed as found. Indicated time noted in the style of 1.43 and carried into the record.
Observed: 7.36
